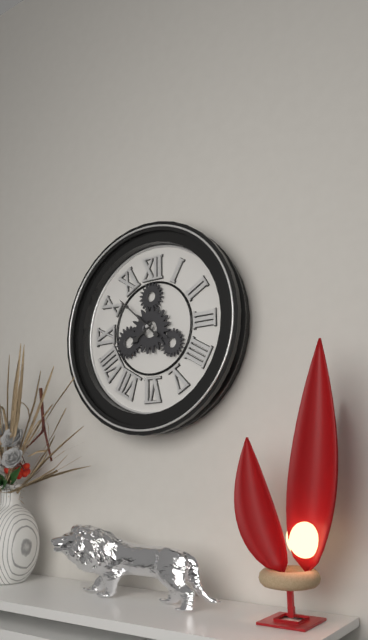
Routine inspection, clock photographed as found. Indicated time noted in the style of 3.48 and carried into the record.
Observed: 7.52
